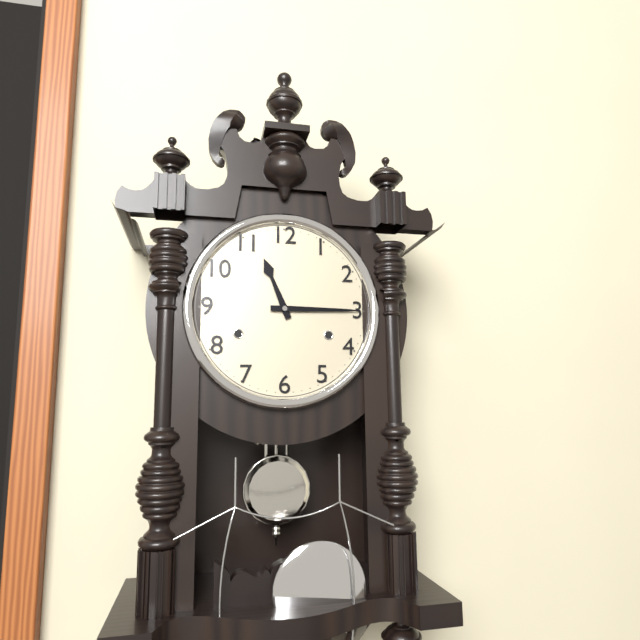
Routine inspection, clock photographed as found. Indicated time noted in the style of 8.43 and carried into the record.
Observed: 11.15
